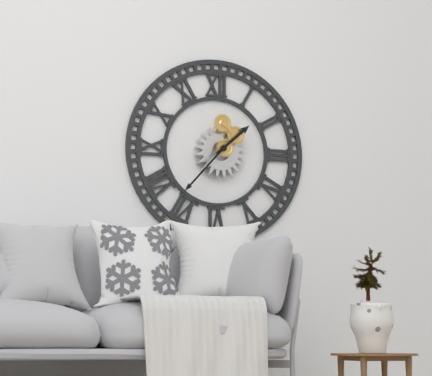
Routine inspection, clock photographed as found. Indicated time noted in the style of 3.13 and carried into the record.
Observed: 1.37
